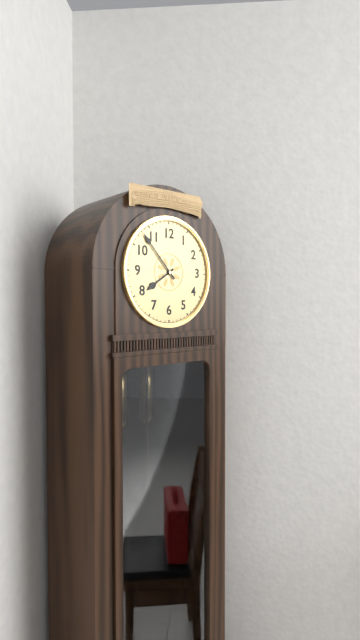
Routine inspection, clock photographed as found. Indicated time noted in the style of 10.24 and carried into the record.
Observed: 7.53
